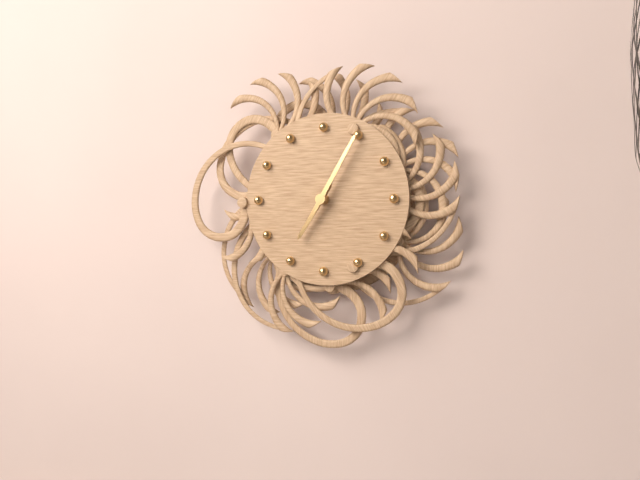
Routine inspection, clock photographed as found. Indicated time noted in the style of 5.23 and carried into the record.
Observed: 7.05
